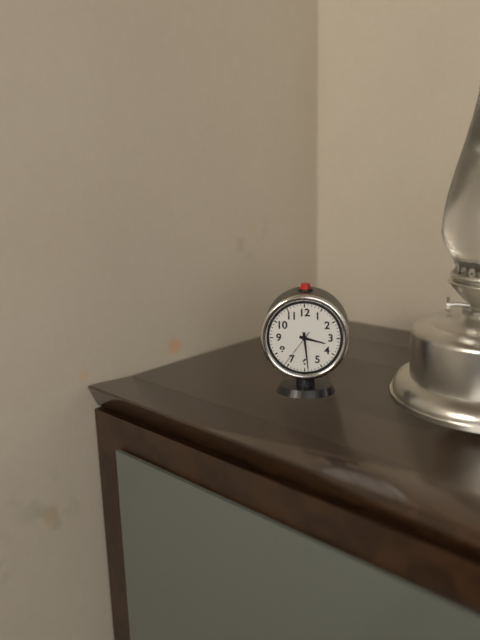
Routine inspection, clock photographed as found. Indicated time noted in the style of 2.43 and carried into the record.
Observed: 3.29
